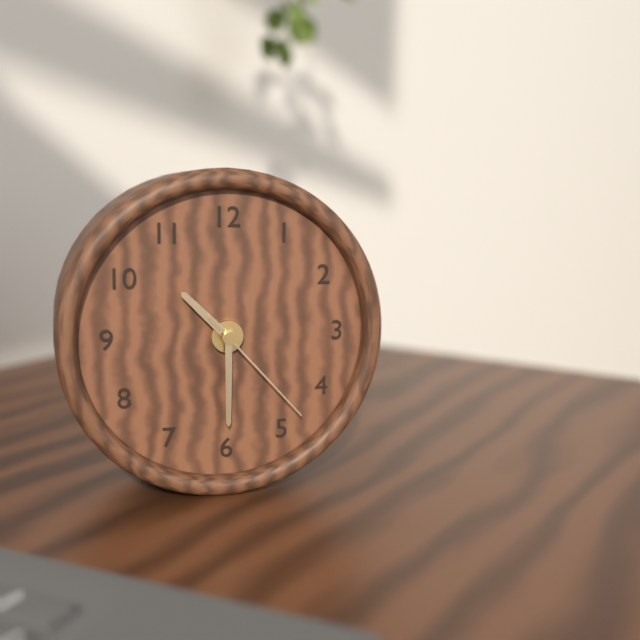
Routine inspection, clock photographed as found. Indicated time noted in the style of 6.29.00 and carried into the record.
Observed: 10.30.23
